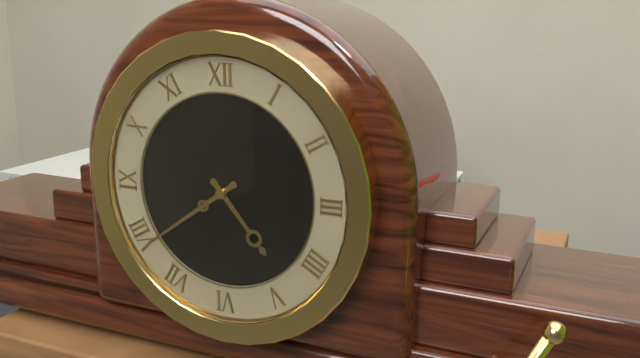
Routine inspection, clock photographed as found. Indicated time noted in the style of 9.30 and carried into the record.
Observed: 4.39
